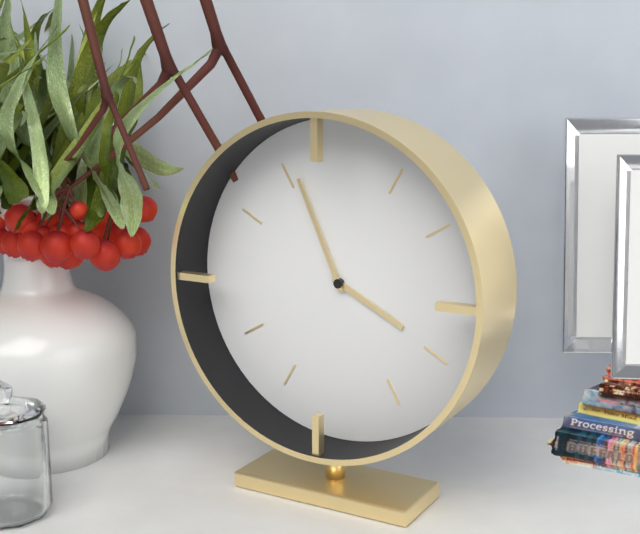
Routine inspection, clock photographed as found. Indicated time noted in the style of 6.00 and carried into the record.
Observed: 3.56
